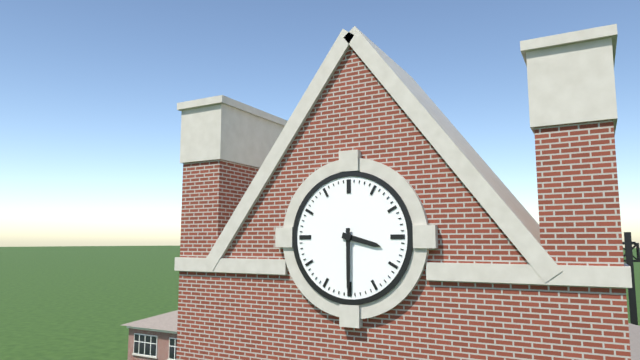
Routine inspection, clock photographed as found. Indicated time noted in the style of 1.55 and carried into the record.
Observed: 3.30
